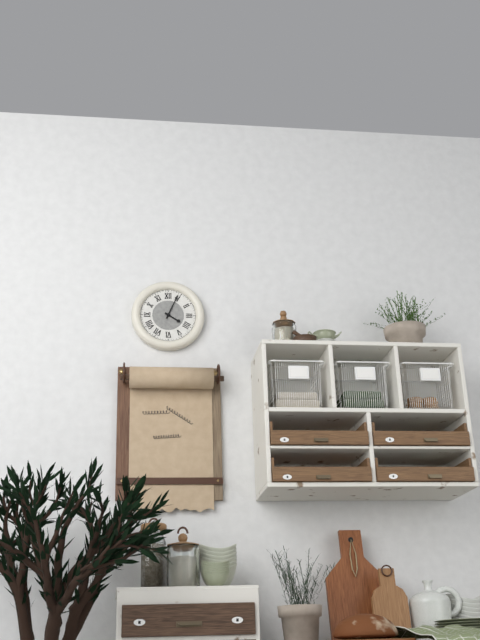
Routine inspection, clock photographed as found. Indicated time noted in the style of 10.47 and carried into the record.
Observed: 4.04
